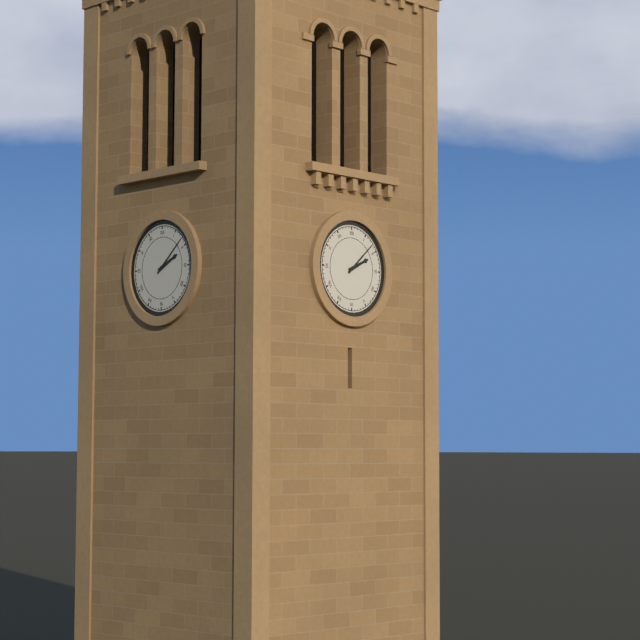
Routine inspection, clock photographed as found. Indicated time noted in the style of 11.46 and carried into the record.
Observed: 2.08
